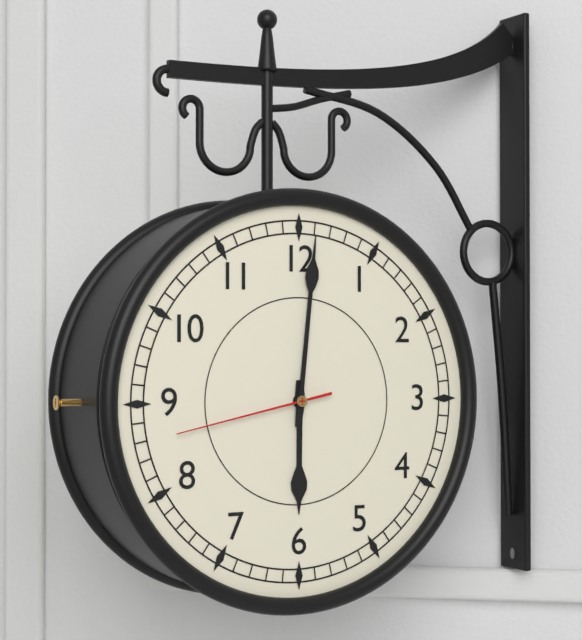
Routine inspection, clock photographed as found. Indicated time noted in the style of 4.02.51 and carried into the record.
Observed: 6.01.43
